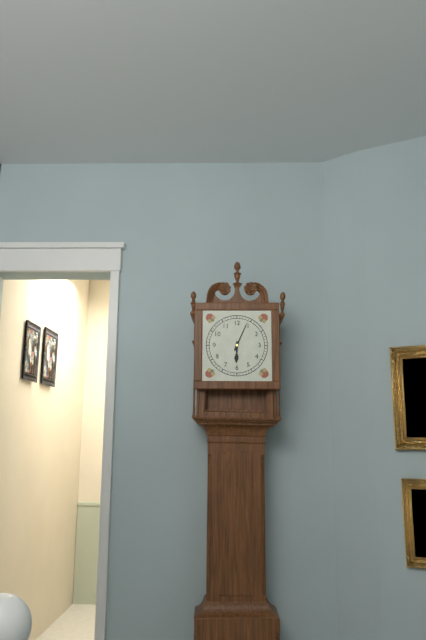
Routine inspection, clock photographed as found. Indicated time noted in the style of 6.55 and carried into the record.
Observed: 6.04
